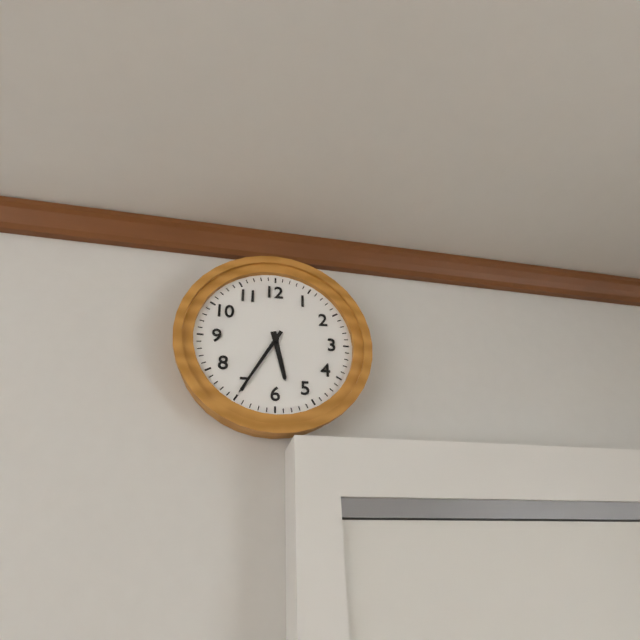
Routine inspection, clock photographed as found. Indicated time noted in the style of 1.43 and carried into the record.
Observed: 5.35
